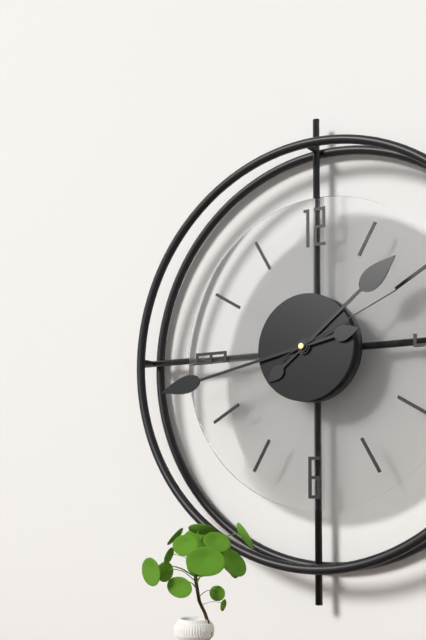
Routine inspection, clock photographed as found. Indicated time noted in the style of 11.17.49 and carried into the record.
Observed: 1.43.11
